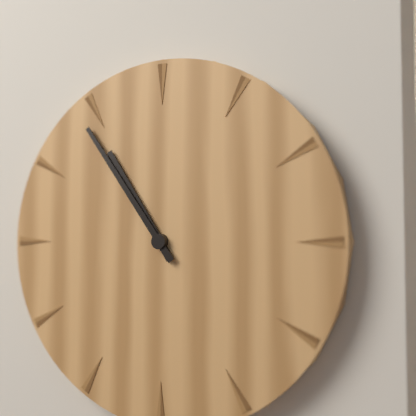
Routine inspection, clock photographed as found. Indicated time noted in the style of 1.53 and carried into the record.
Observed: 10.54
